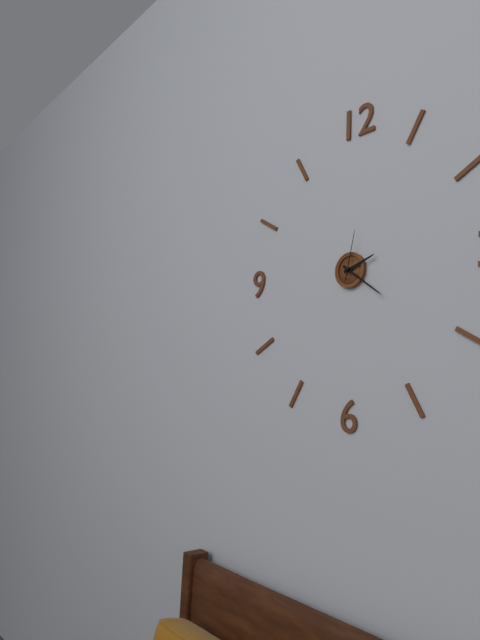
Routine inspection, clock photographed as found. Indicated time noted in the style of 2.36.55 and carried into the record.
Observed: 2.21.02
